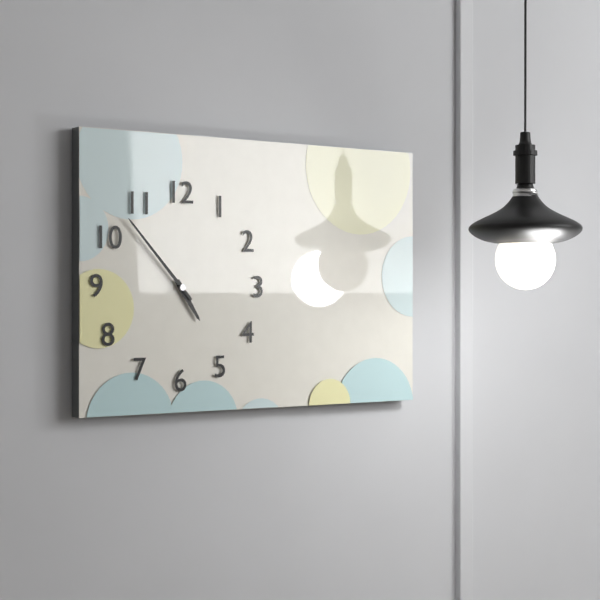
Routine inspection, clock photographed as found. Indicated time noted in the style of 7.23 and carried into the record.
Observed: 4.53
